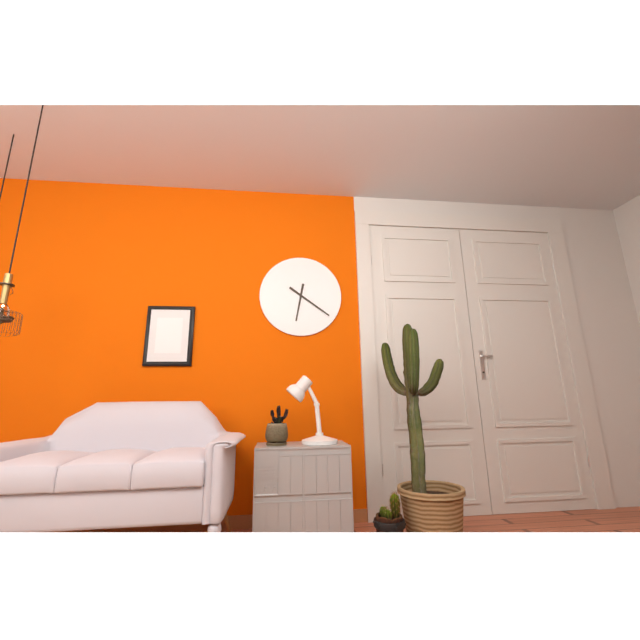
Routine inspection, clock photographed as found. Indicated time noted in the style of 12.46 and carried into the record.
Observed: 6.21
